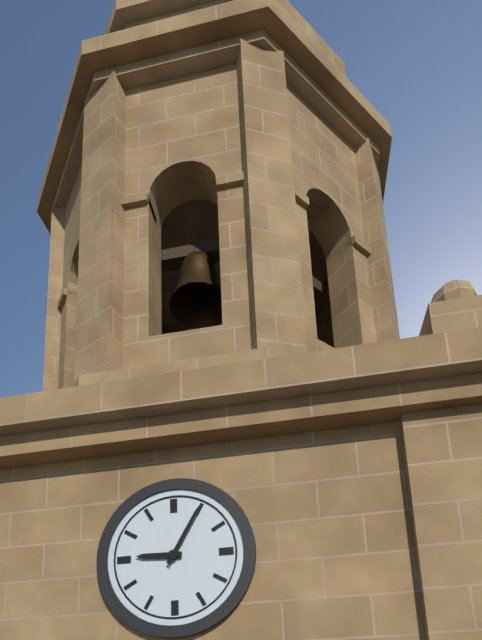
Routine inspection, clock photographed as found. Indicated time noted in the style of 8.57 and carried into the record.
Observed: 9.05
